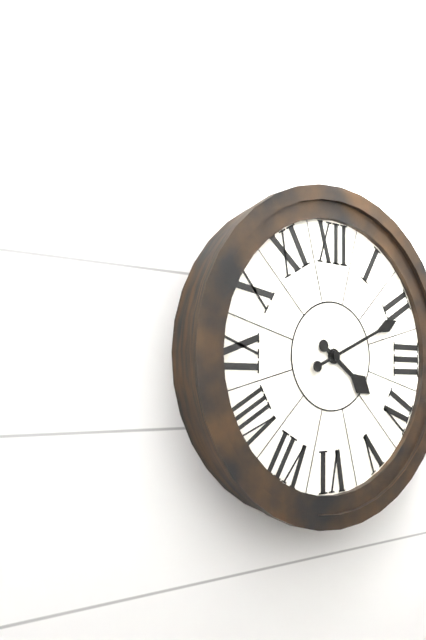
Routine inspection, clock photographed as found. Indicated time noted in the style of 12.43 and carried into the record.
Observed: 4.11
